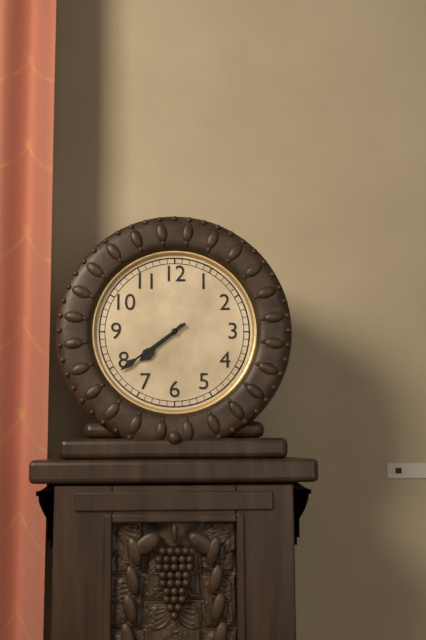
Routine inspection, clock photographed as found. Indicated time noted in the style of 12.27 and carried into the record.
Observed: 7.39
